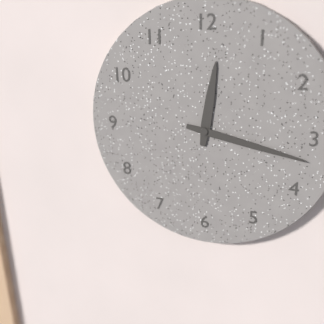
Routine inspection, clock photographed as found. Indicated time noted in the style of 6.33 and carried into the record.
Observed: 12.17
